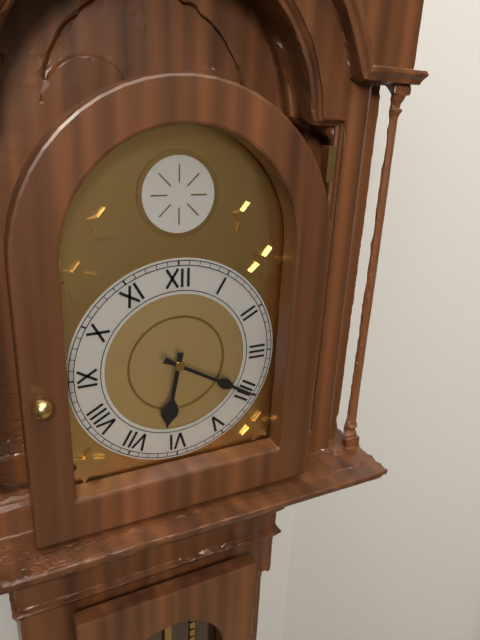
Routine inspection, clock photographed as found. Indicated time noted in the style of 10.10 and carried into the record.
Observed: 6.20
